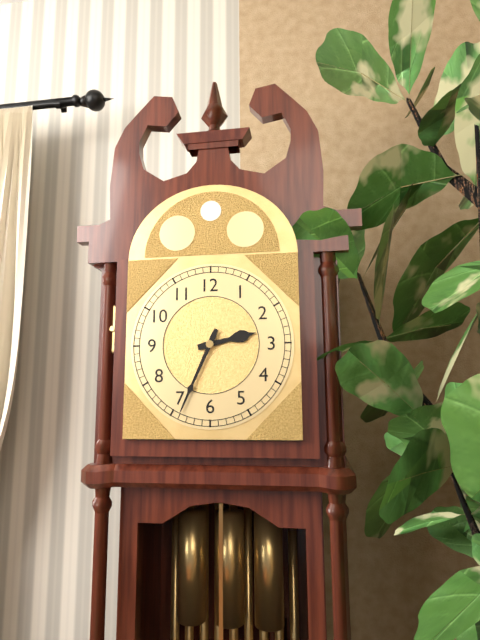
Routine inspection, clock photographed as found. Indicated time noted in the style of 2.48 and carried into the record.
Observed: 2.34
